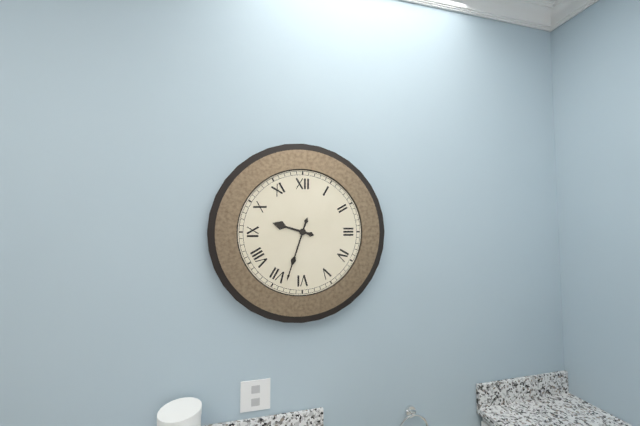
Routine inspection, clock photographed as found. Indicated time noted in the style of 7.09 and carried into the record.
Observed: 9.33
